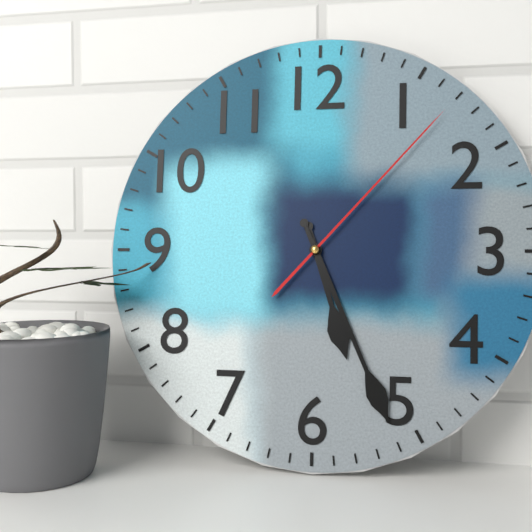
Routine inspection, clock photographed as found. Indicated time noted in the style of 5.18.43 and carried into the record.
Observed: 5.26.07
